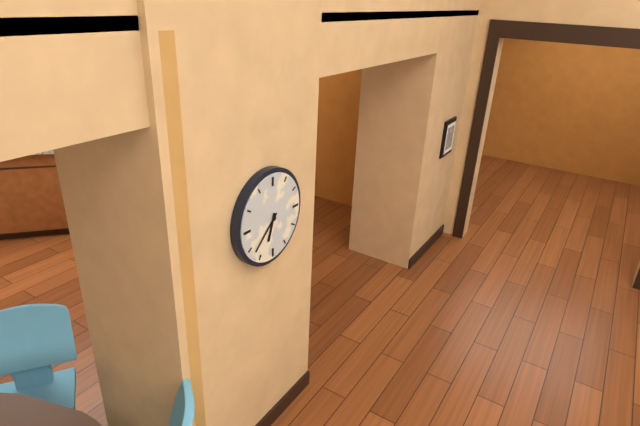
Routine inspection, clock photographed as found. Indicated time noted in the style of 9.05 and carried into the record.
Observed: 6.38
